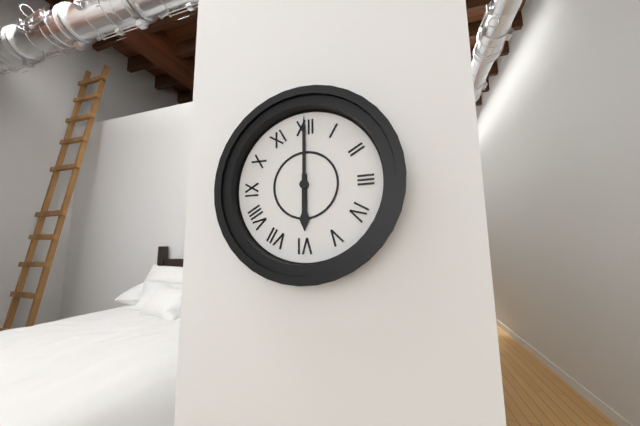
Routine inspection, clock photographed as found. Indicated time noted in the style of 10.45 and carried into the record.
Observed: 6.00
